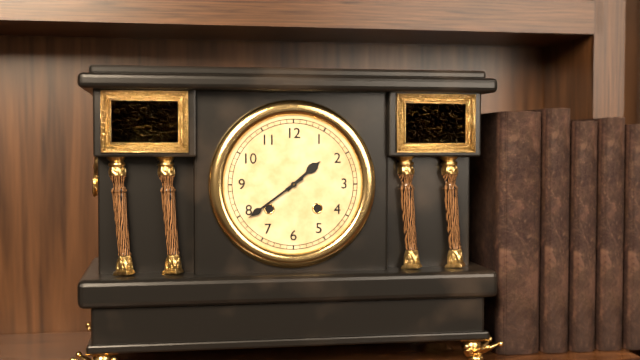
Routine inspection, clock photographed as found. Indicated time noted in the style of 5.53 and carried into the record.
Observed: 1.39
